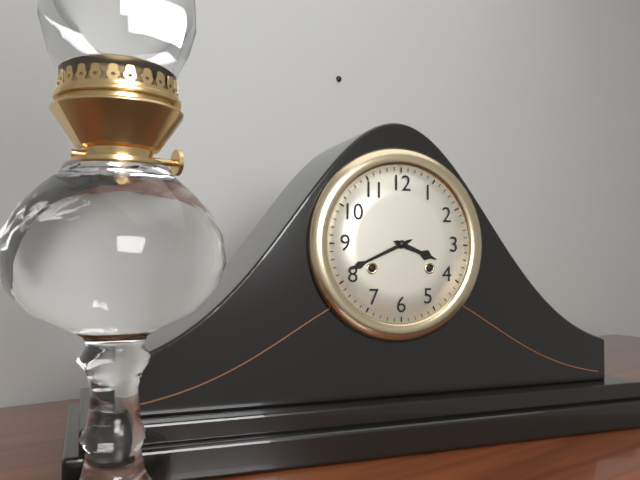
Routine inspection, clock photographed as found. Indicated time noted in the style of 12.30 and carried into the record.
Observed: 3.41
